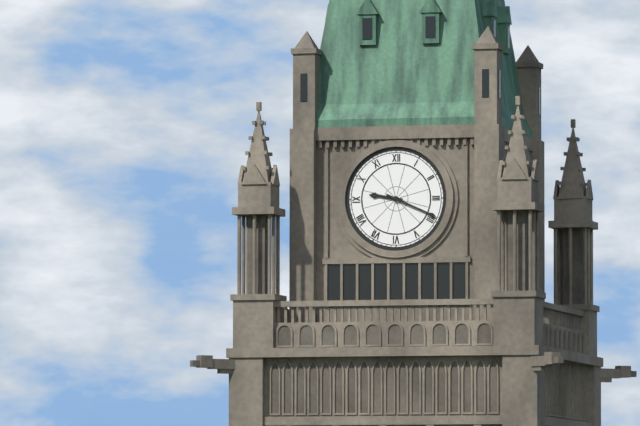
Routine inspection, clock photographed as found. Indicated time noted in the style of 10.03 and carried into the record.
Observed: 9.19
